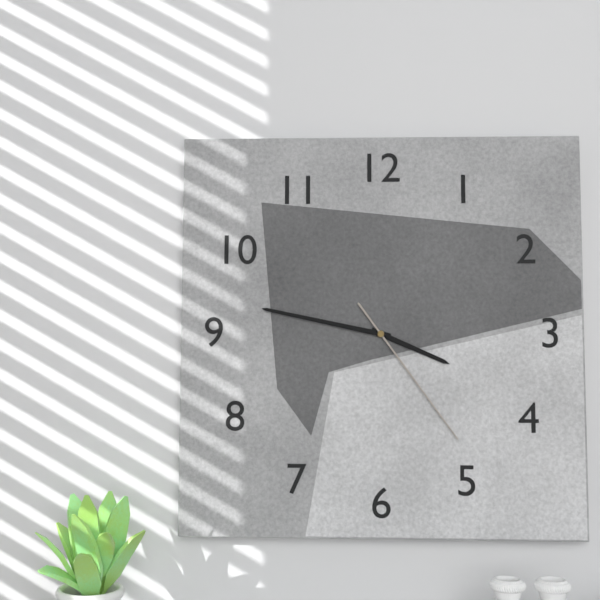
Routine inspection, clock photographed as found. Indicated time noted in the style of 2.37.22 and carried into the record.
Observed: 3.47.24
